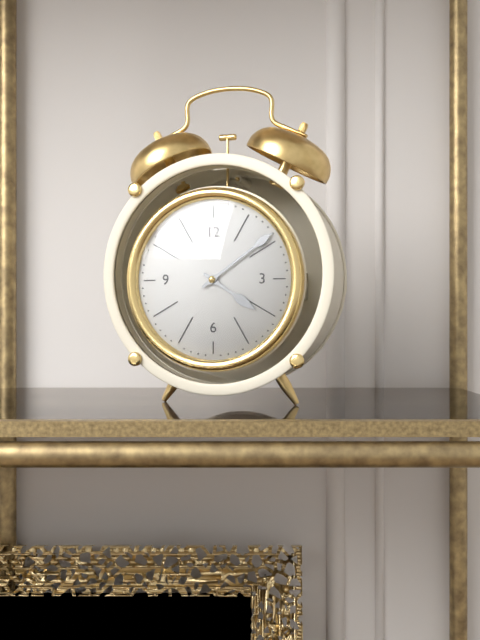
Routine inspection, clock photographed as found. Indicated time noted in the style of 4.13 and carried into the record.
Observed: 4.09
